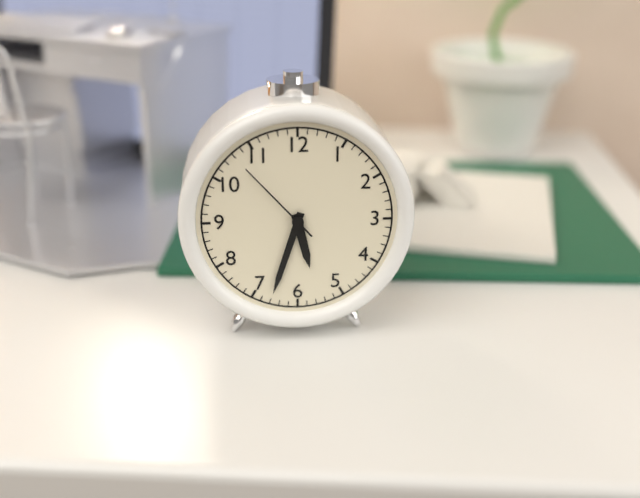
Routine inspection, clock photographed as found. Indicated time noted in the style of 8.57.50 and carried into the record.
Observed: 5.33.53
